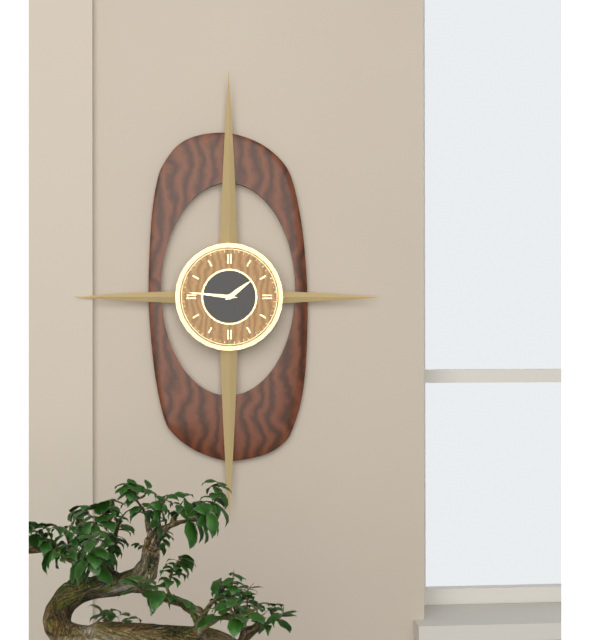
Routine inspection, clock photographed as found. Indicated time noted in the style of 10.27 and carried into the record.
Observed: 1.46
